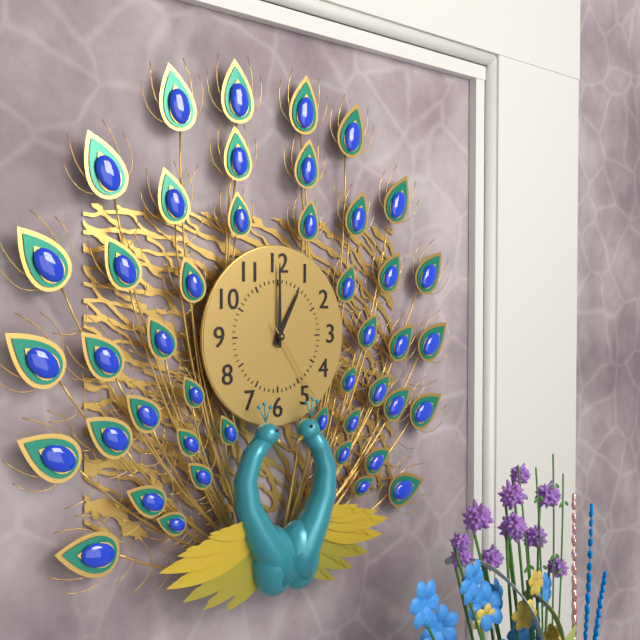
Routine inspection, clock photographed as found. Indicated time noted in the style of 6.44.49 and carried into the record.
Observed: 1.00.24
